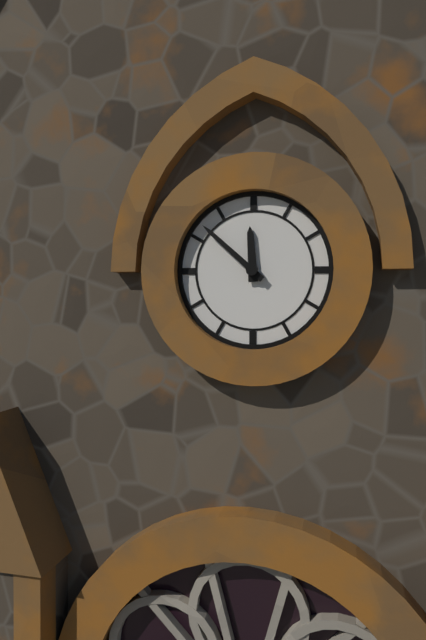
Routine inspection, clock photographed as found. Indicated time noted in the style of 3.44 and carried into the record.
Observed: 11.52
